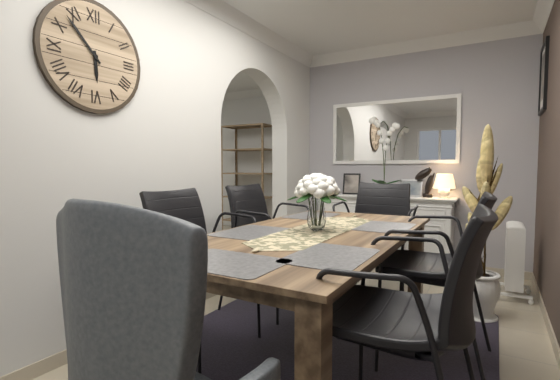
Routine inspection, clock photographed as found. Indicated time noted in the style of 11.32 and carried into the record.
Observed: 5.53
